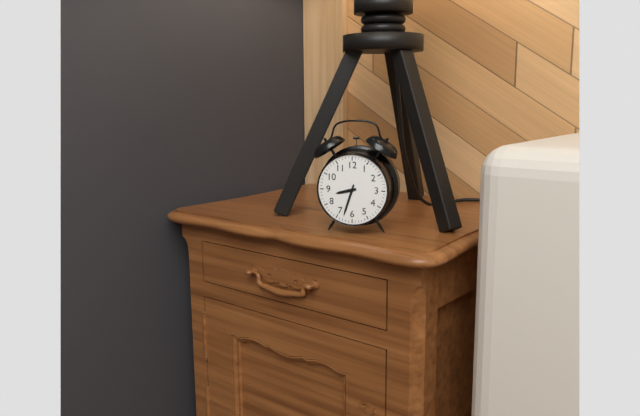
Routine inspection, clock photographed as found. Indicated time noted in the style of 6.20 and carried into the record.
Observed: 8.33
